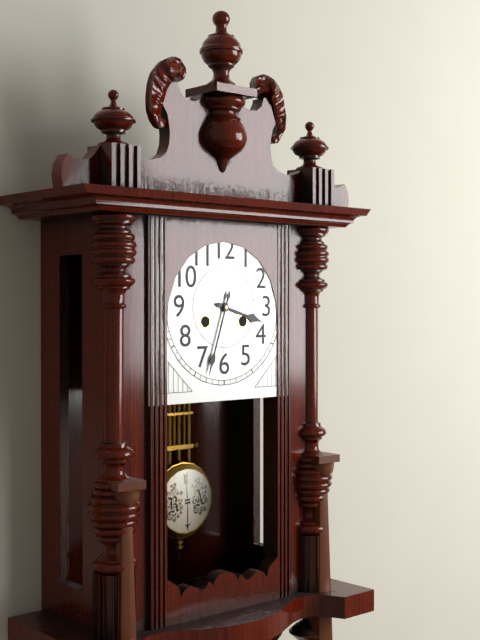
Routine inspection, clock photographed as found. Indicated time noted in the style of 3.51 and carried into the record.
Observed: 3.33
